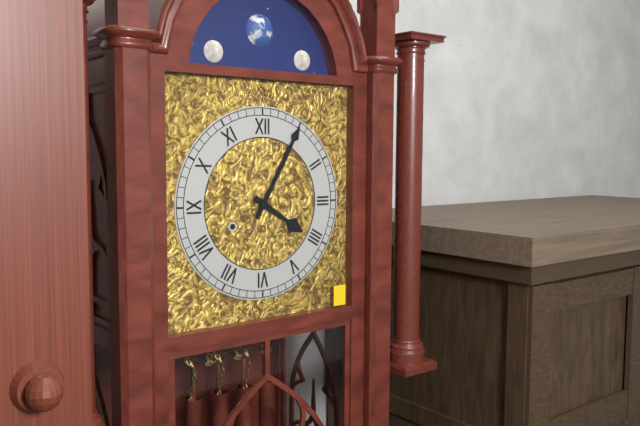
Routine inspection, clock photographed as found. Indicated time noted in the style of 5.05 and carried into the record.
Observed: 4.05
